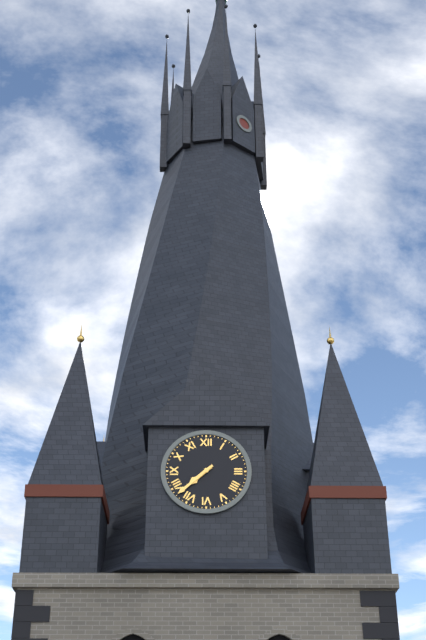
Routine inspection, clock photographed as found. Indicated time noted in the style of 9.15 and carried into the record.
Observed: 7.38
